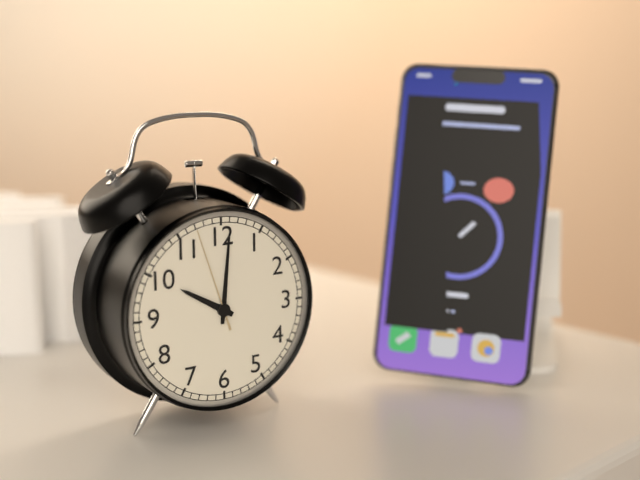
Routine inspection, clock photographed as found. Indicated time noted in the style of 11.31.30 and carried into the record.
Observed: 10.01.57
